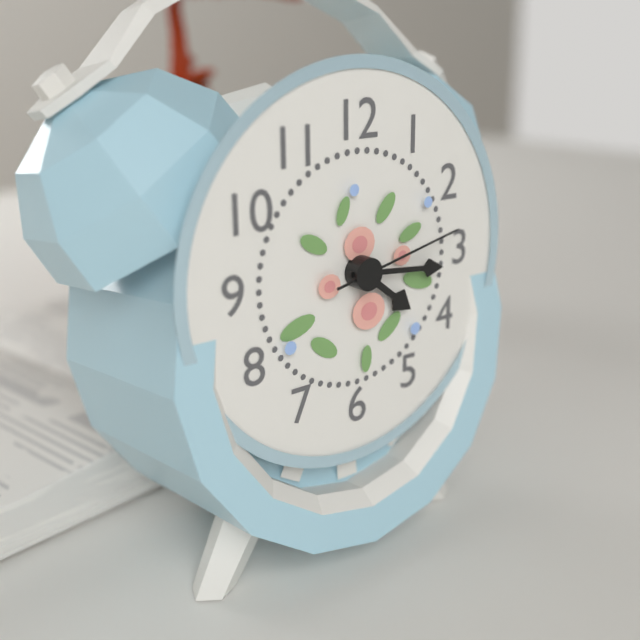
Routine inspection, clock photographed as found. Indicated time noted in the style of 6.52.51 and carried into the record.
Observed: 4.16.13
